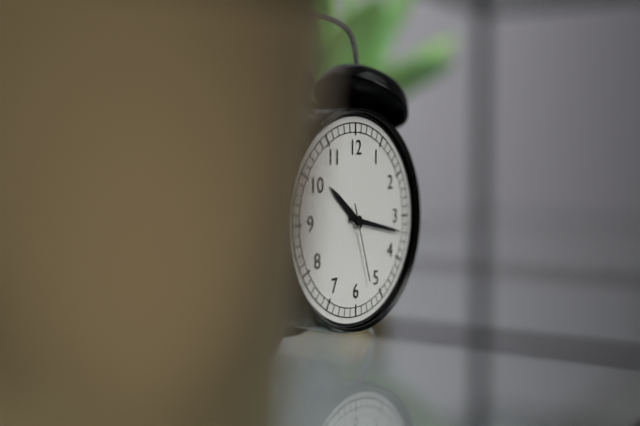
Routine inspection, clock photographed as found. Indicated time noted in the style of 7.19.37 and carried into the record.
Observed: 10.17.27
